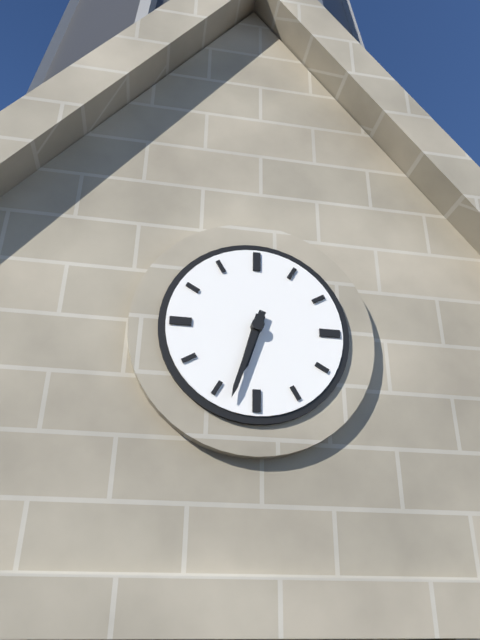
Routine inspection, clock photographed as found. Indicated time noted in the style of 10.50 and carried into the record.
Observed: 6.33
